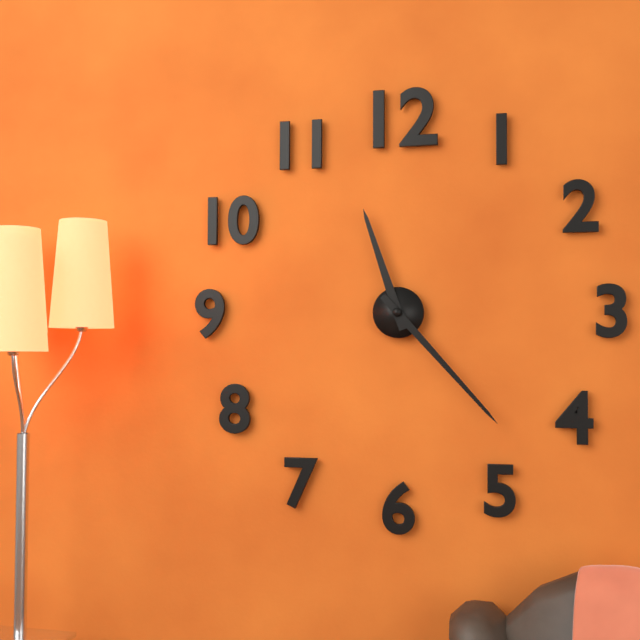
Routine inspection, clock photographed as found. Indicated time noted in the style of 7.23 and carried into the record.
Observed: 11.23
